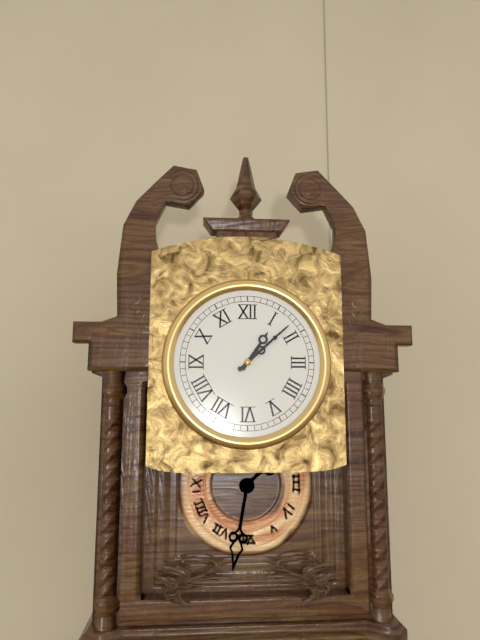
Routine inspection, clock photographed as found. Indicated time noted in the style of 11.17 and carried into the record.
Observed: 1.08
